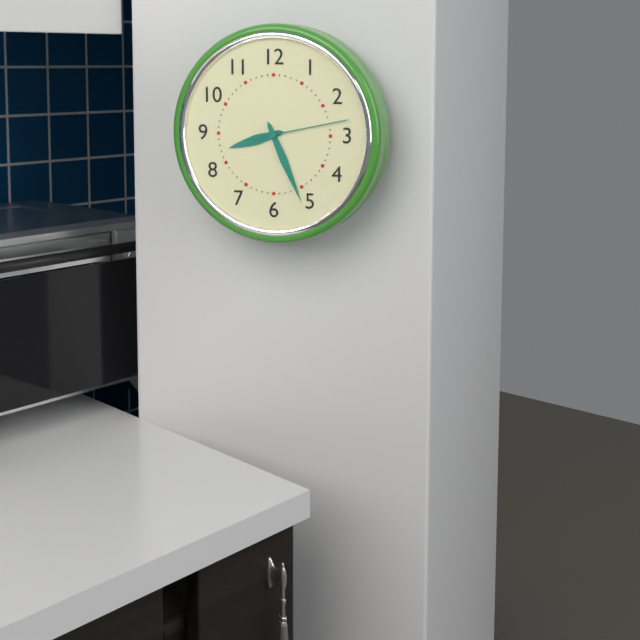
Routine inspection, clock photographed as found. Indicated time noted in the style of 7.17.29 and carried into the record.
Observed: 8.26.13
